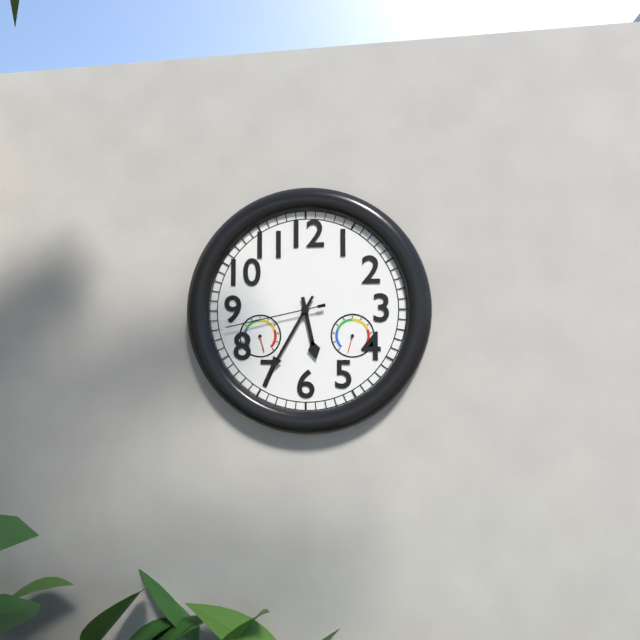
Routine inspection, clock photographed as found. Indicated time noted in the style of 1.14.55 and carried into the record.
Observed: 5.35.43
